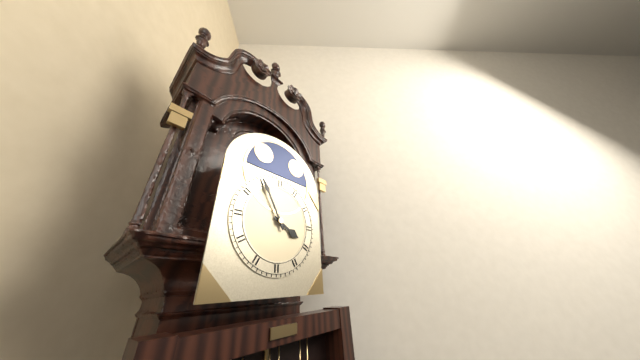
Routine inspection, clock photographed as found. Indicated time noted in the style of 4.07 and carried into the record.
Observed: 3.55
